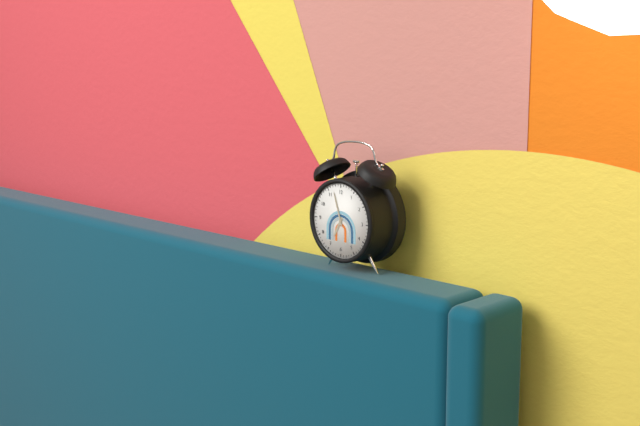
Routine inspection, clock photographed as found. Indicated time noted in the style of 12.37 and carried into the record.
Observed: 6.57
